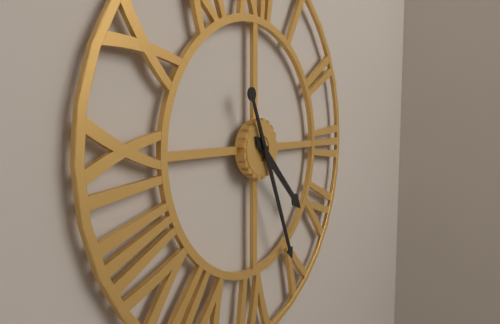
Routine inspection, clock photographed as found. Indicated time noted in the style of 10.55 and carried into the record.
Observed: 4.26
